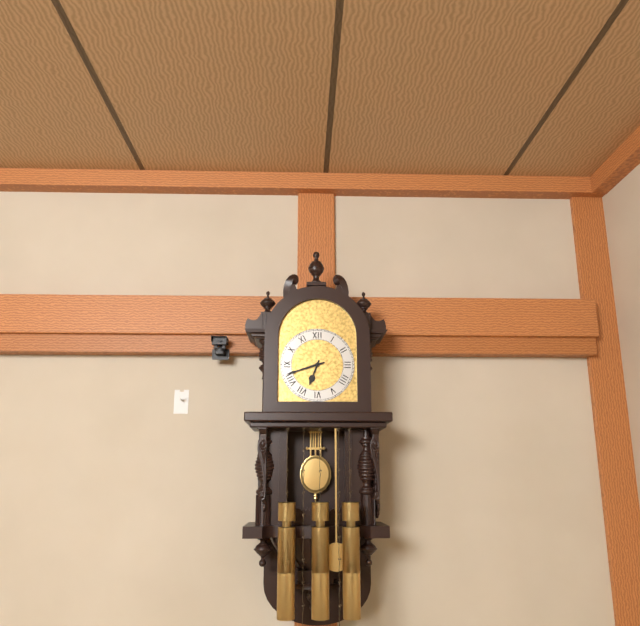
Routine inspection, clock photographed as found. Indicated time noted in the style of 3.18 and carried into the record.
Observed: 6.42
